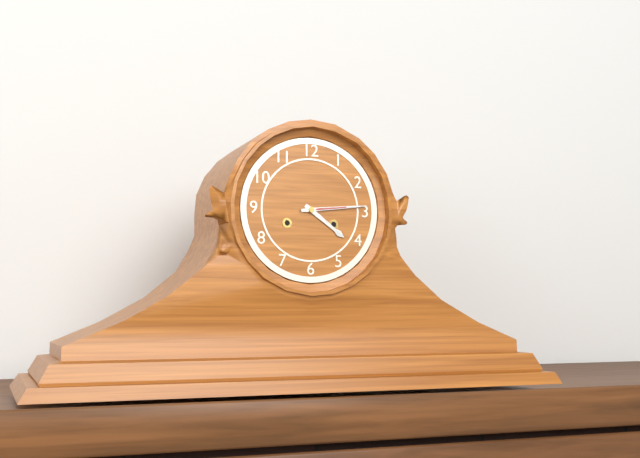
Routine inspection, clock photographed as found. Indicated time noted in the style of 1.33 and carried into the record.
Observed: 4.14
